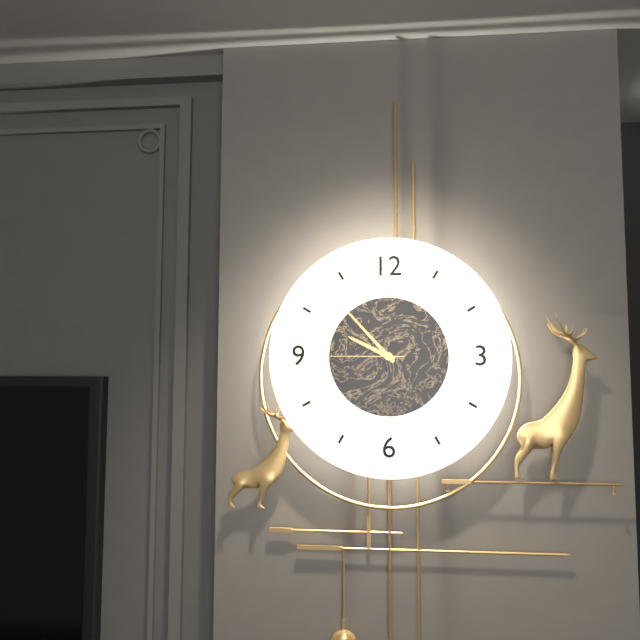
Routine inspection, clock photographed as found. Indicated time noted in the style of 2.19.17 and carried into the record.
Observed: 9.53.45
